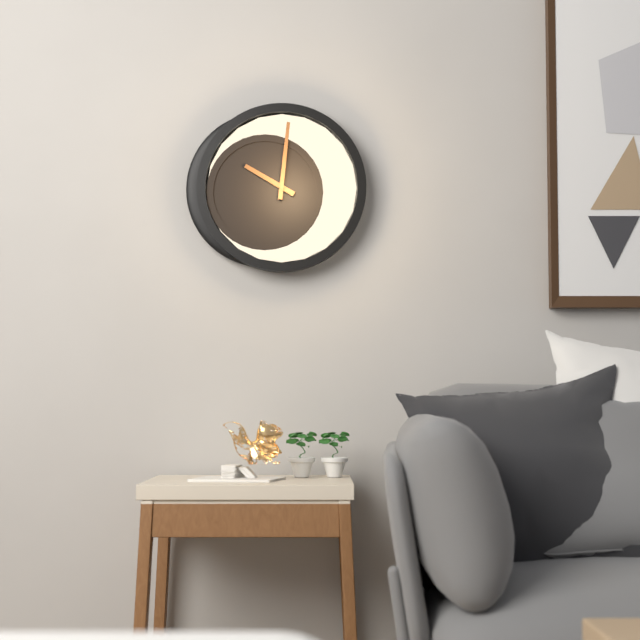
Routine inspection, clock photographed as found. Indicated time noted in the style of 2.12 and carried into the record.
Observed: 10.01
